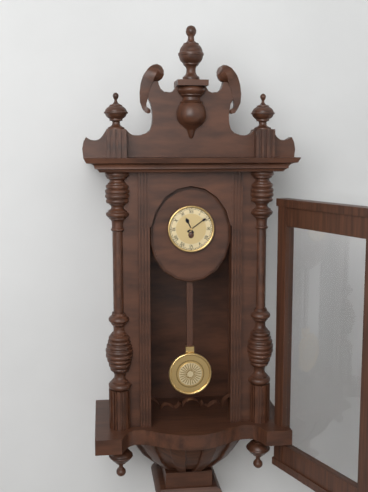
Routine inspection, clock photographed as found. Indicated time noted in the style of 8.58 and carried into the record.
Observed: 11.09
